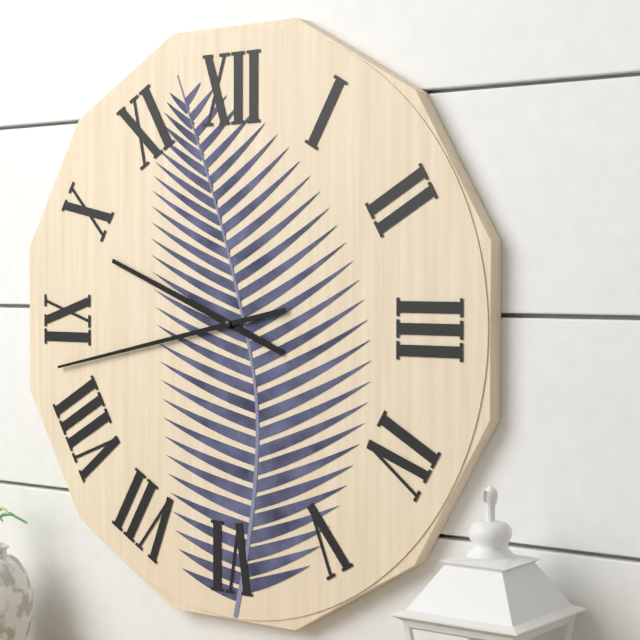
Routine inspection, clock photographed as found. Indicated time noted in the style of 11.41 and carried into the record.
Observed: 9.43
